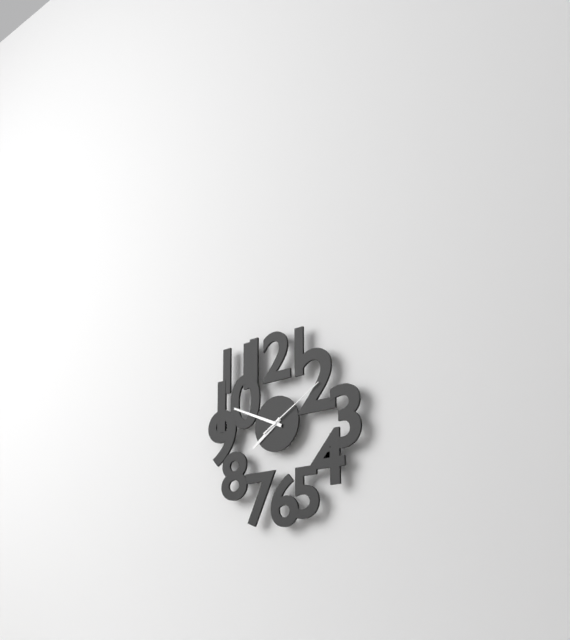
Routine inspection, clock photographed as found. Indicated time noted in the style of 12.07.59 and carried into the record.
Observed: 7.49.10
